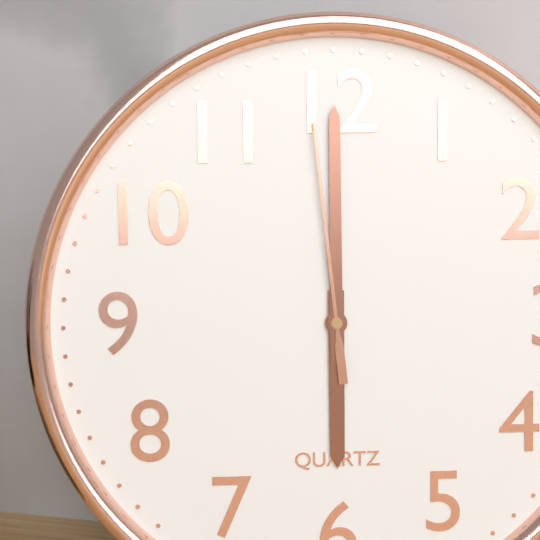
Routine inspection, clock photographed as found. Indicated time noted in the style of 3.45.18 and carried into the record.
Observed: 6.00.59
